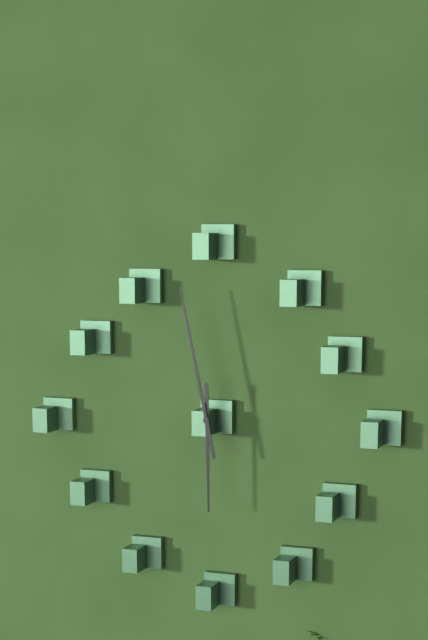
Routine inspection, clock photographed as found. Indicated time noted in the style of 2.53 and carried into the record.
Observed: 5.58
